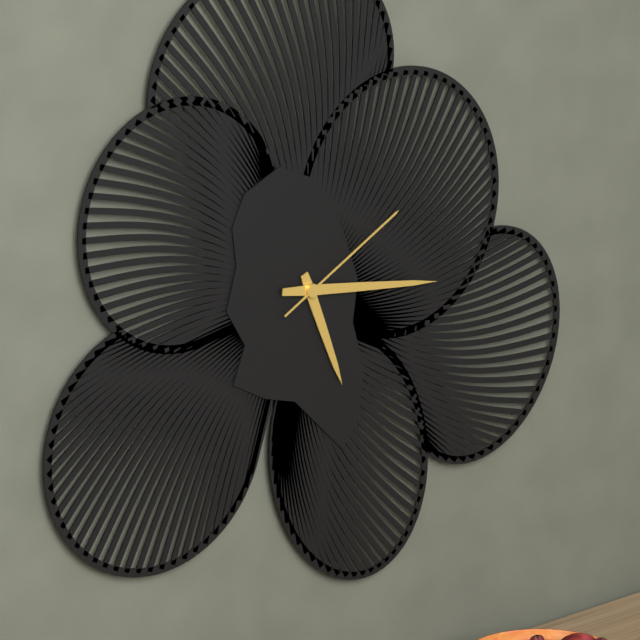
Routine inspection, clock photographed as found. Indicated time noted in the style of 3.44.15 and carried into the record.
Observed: 5.16.10
